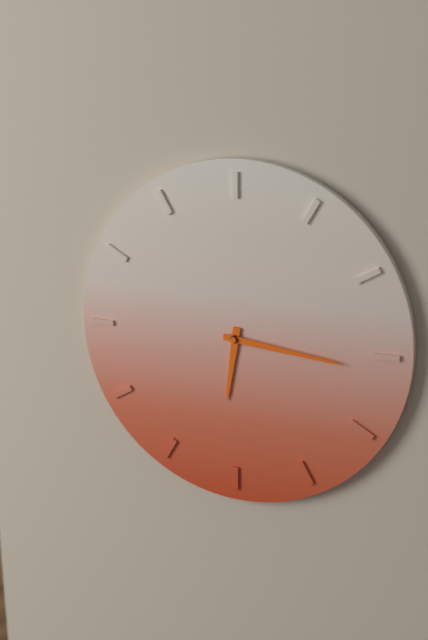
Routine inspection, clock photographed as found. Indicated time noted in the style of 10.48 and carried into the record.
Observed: 6.16
